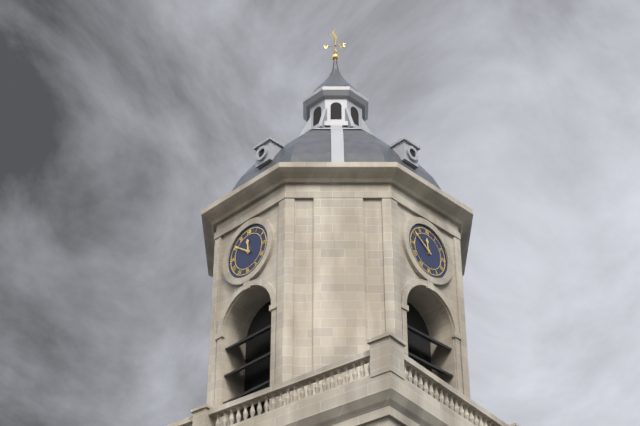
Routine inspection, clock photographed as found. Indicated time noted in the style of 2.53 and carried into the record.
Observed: 11.51
